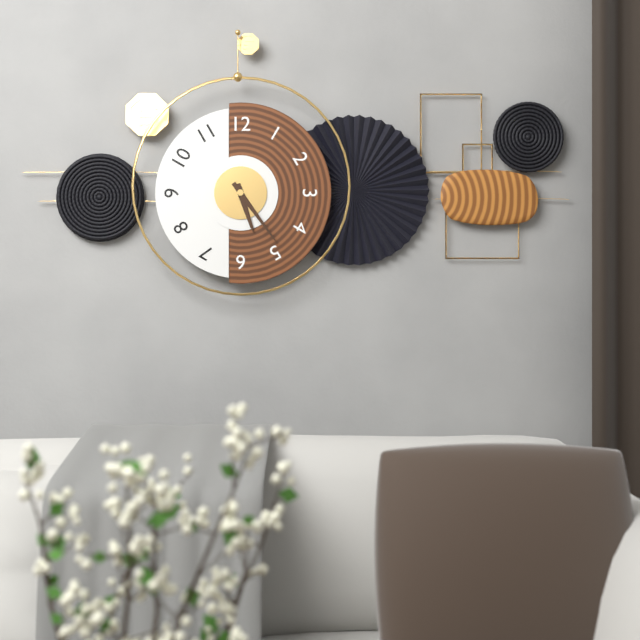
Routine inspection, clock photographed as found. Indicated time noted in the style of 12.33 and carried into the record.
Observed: 5.24
